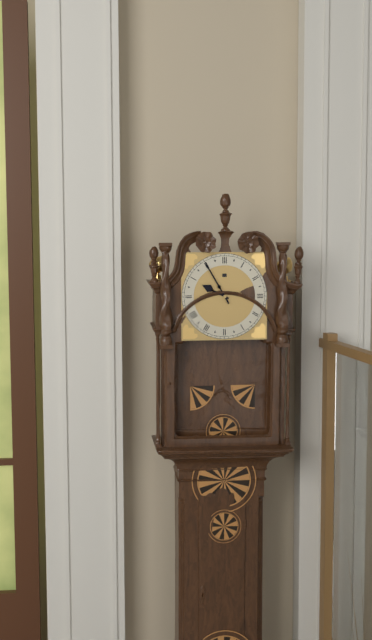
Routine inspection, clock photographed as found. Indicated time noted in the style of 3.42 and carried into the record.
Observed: 9.55
